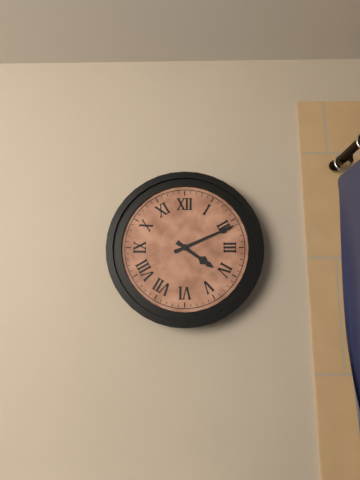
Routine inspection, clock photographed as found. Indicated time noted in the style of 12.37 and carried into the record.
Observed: 4.11
